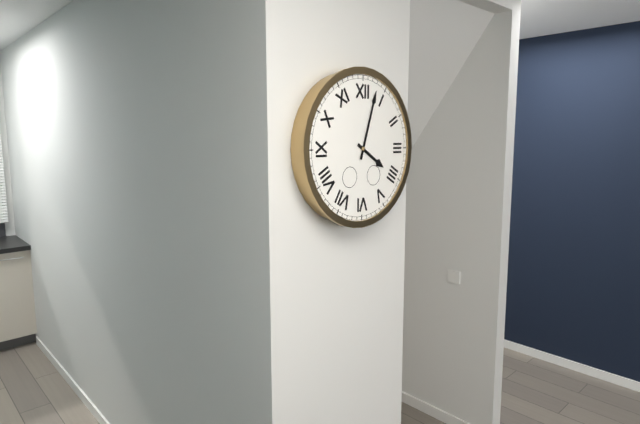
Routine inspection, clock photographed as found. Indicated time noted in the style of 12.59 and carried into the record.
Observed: 4.03
